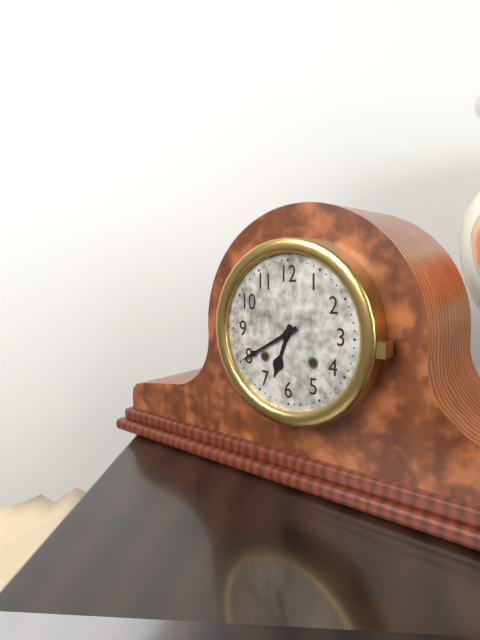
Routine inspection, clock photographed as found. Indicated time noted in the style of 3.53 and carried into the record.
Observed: 6.40
